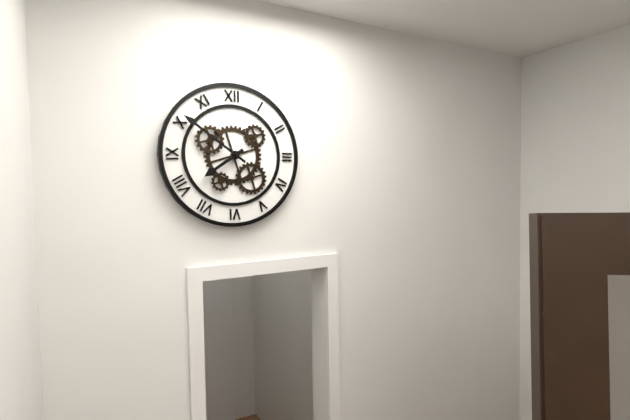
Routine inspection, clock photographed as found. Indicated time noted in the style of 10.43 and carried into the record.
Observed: 7.51
